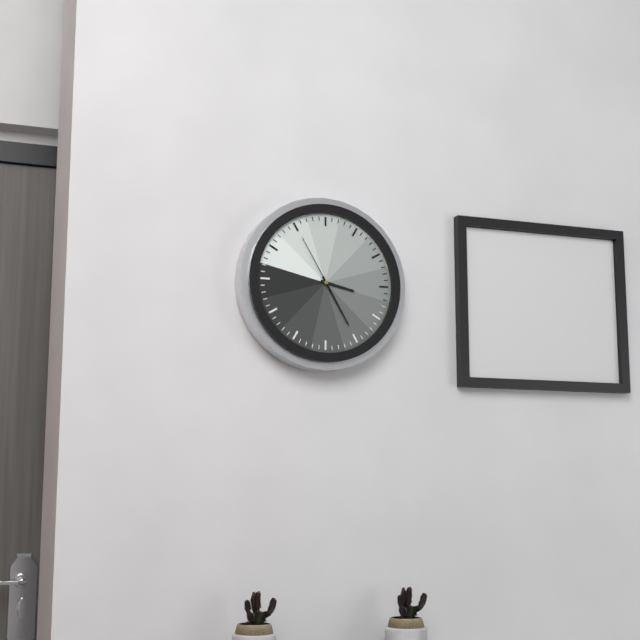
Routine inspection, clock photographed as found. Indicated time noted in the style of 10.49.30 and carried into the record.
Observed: 3.25.55
